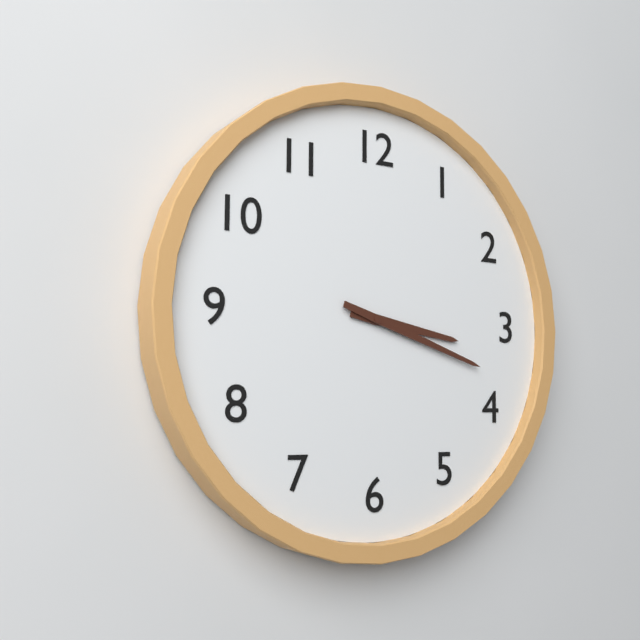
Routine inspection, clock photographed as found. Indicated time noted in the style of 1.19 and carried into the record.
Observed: 3.18
